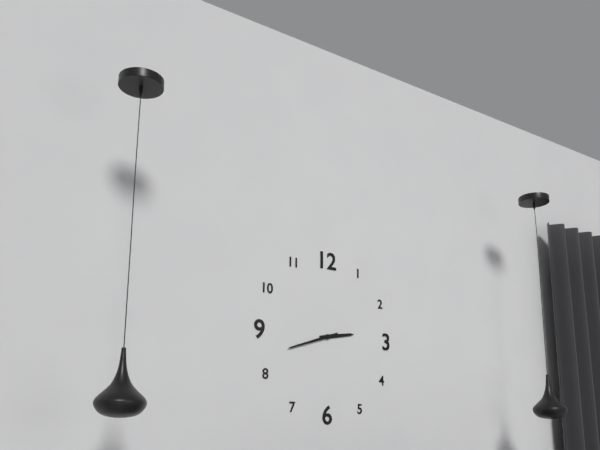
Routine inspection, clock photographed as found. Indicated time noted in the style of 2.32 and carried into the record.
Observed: 2.42
